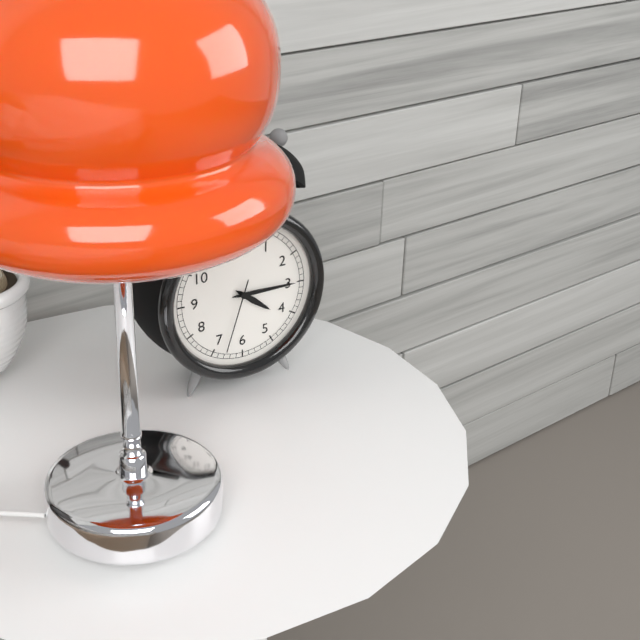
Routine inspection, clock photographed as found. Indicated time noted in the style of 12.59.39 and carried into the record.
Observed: 4.15.33
